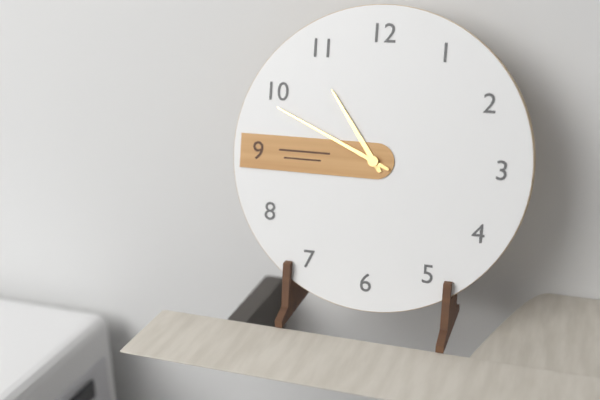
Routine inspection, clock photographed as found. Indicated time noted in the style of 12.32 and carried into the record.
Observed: 10.49
